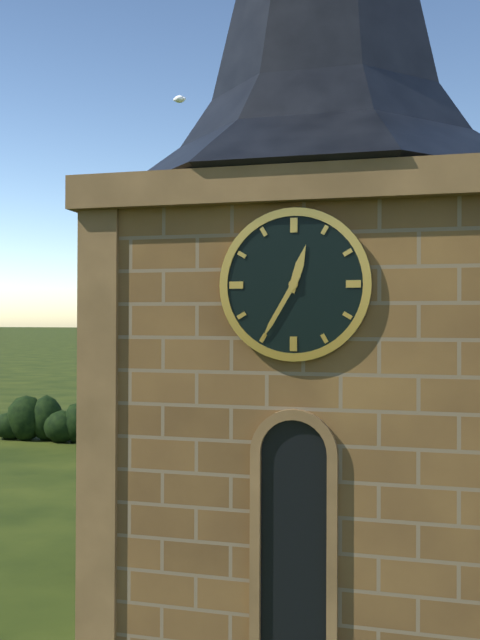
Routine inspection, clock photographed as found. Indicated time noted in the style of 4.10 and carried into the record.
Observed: 12.35
